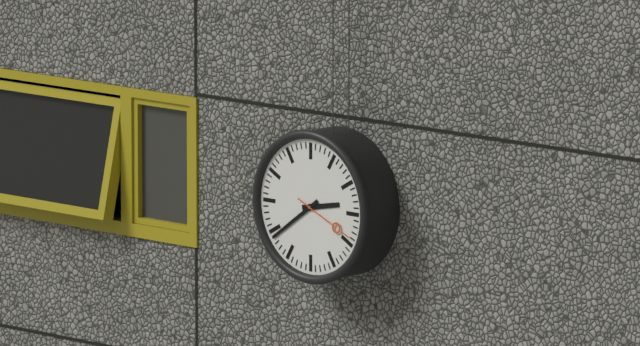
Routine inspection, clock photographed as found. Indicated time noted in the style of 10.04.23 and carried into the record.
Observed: 2.39.19
